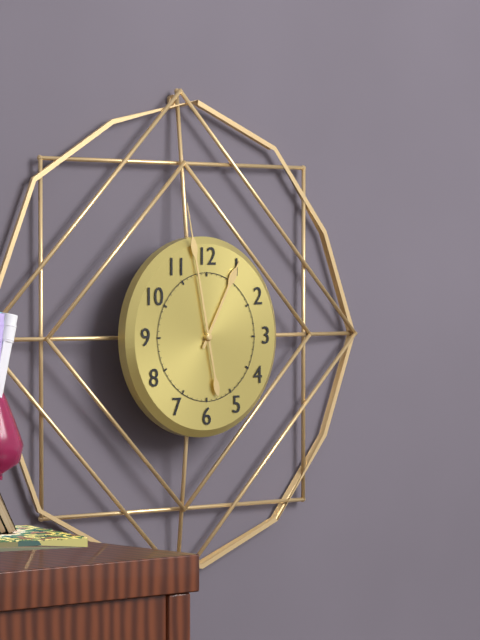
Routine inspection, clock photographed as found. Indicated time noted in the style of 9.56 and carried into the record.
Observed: 12.58
